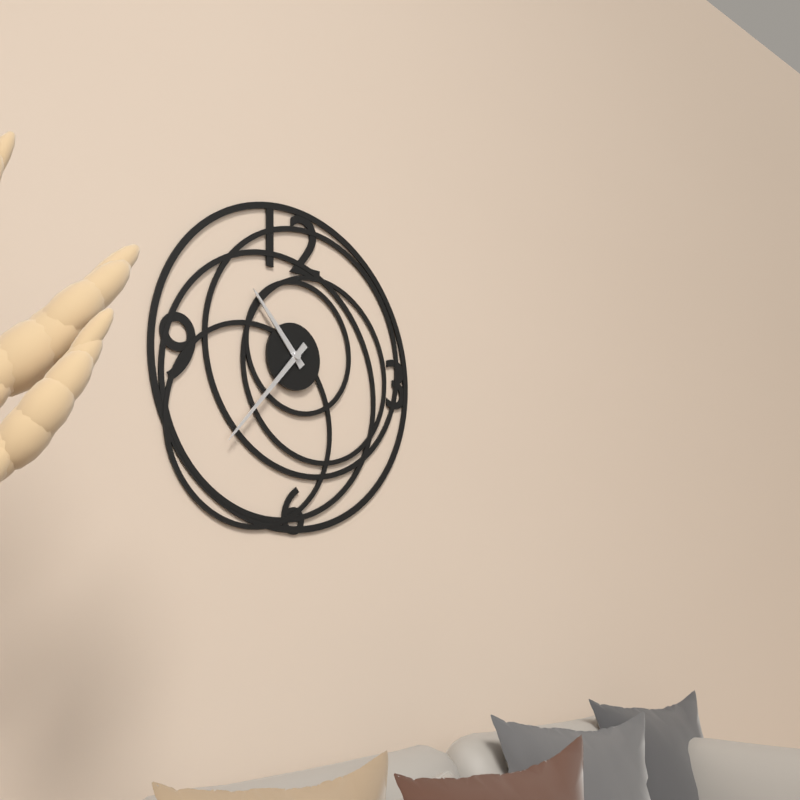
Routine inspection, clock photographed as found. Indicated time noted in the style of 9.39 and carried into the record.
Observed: 10.37
